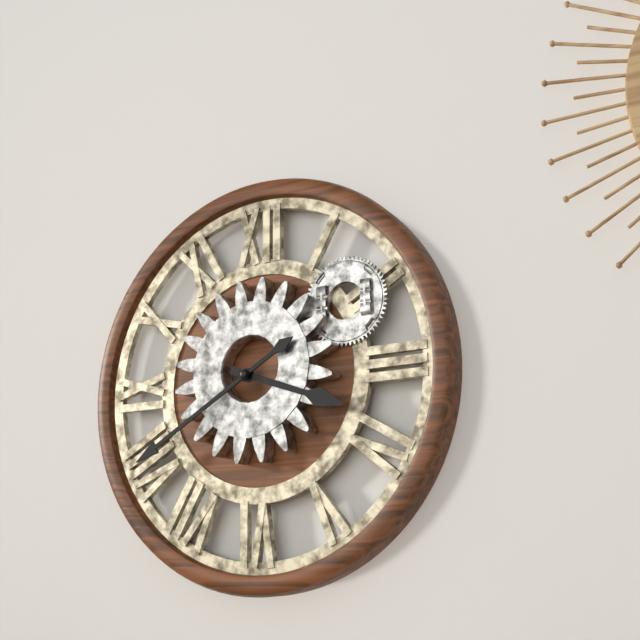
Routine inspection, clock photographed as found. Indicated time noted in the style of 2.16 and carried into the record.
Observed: 3.40
